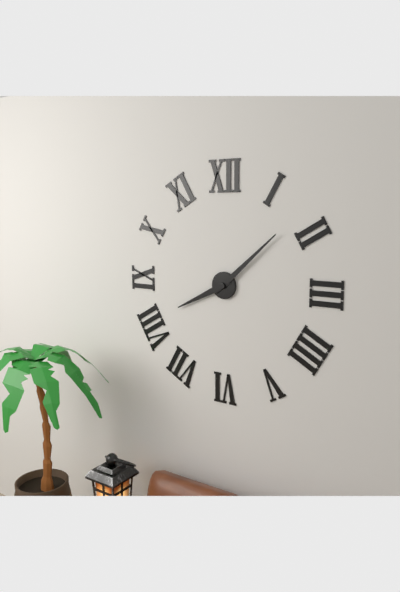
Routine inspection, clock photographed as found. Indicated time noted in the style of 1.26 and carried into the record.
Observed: 8.08
